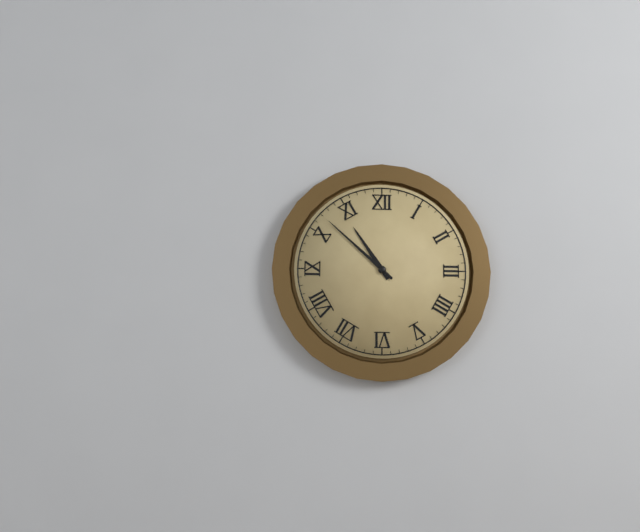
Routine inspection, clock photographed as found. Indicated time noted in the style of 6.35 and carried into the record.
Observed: 10.52
